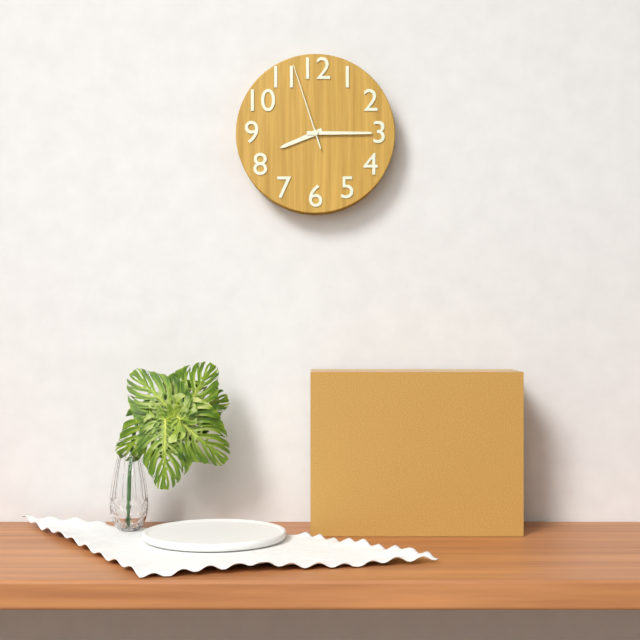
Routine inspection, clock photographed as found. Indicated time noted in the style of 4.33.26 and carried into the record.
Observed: 8.15.57
